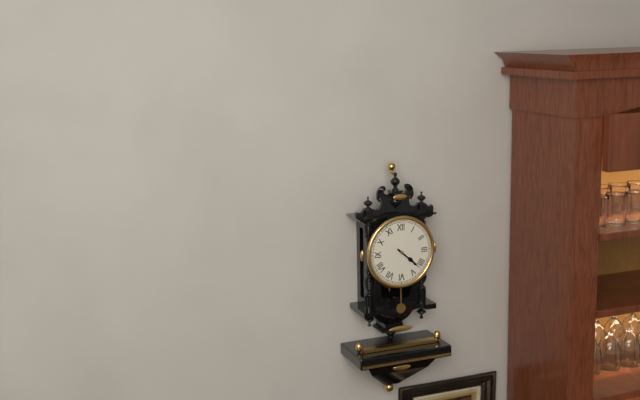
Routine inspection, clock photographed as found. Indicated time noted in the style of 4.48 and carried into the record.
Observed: 4.22
